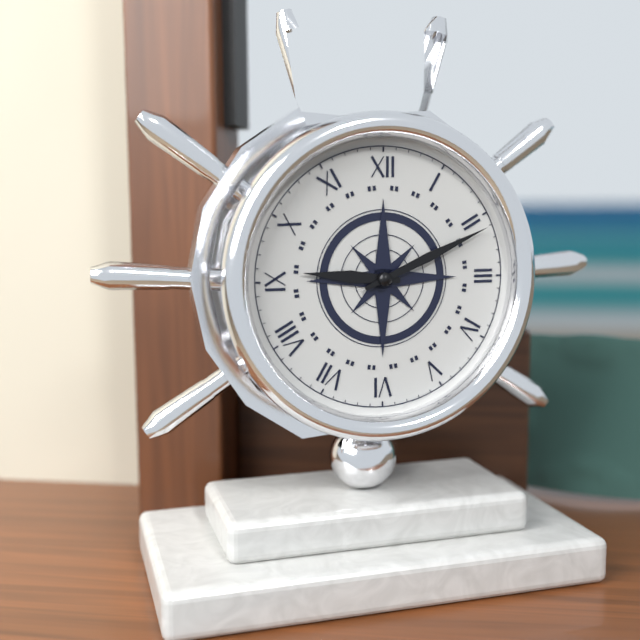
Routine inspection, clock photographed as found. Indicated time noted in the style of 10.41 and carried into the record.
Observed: 9.11
